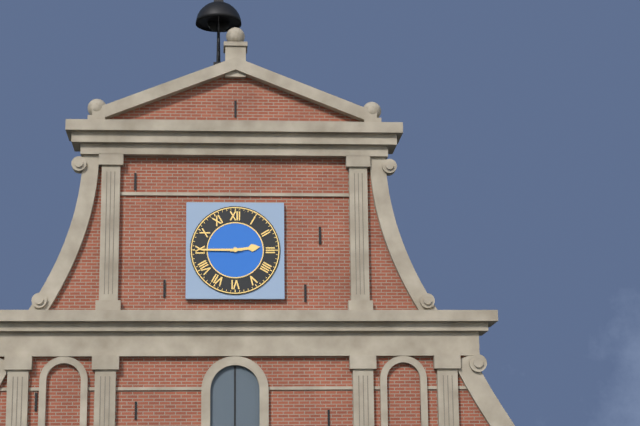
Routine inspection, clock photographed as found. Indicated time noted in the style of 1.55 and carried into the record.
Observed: 2.45
